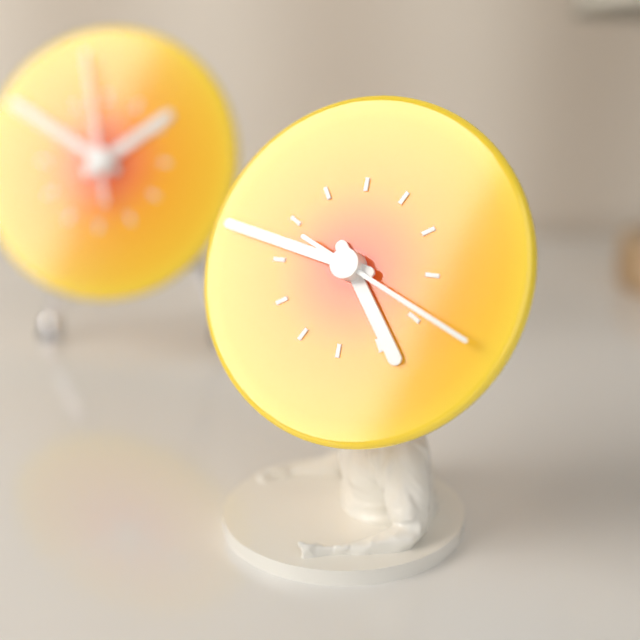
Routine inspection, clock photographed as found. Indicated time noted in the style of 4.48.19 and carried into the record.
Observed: 4.47.19
